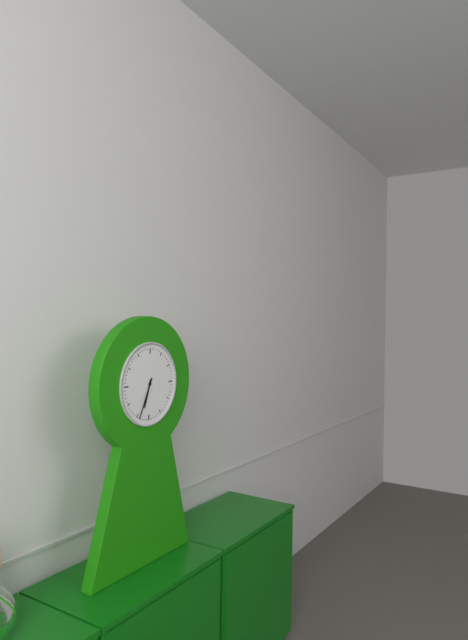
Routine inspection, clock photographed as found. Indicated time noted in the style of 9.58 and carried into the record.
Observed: 6.34
